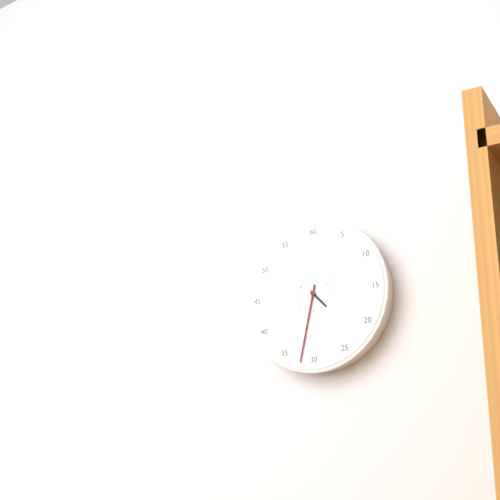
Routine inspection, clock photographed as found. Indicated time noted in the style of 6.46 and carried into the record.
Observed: 4.32
